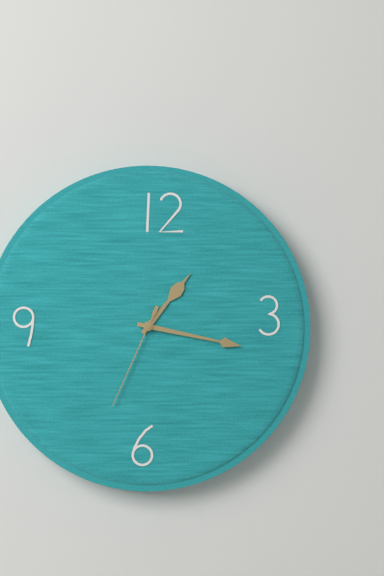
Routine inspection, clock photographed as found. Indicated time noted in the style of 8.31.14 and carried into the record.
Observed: 1.17.34
